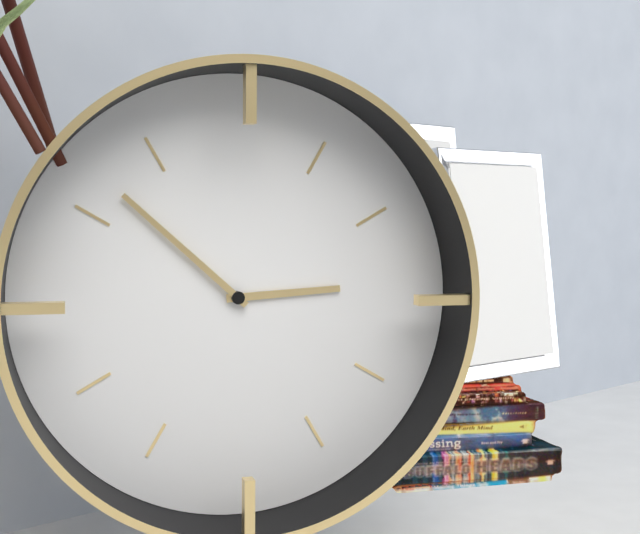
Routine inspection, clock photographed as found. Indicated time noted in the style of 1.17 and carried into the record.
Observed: 2.52
